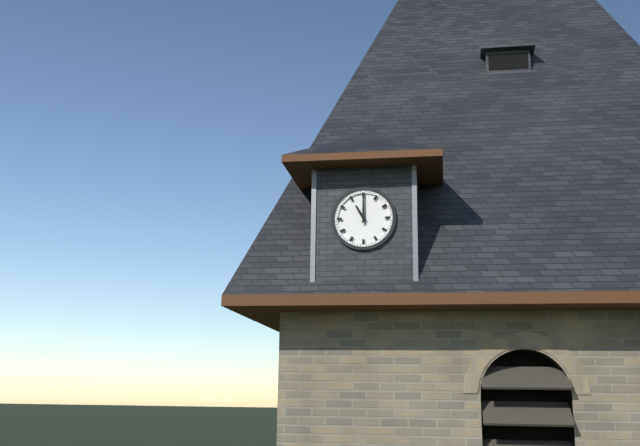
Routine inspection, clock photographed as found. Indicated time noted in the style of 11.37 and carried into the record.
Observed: 11.00
